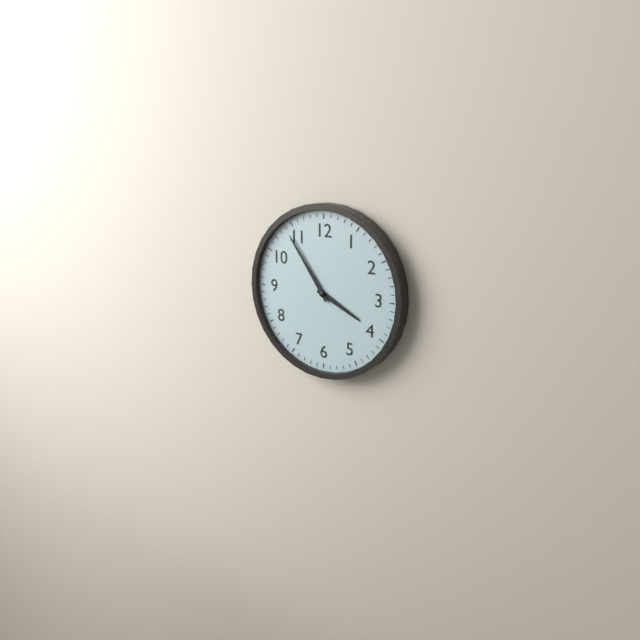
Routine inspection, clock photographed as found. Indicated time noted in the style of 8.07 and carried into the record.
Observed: 3.54
